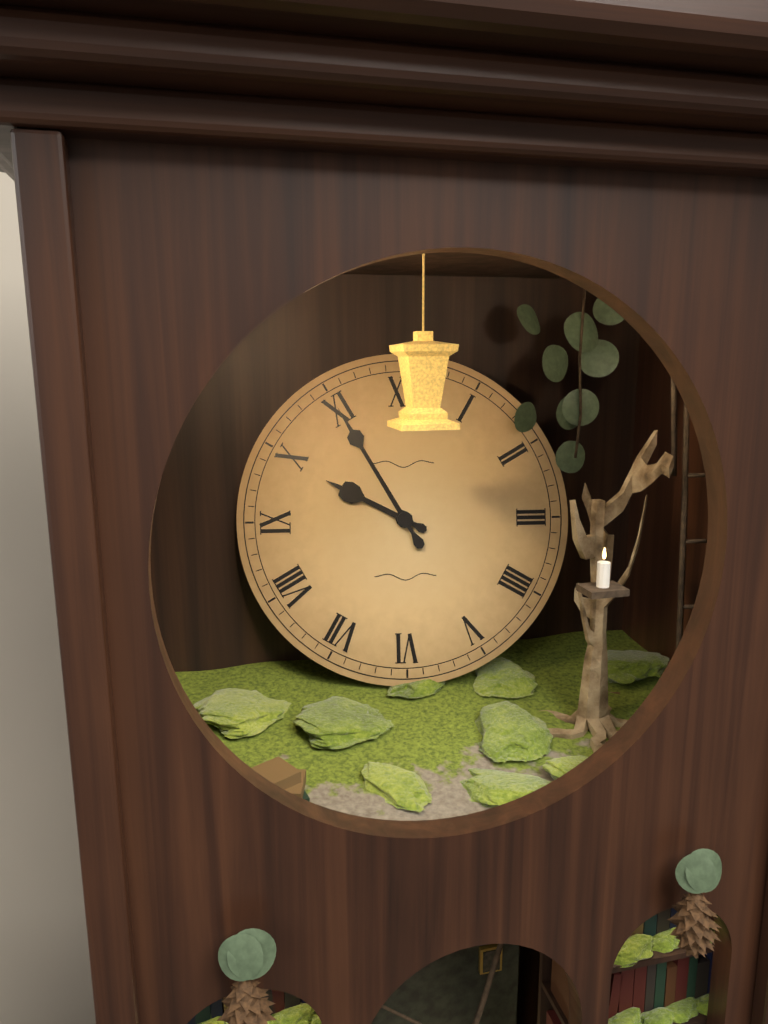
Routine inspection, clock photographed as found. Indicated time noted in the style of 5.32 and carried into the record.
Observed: 9.55
